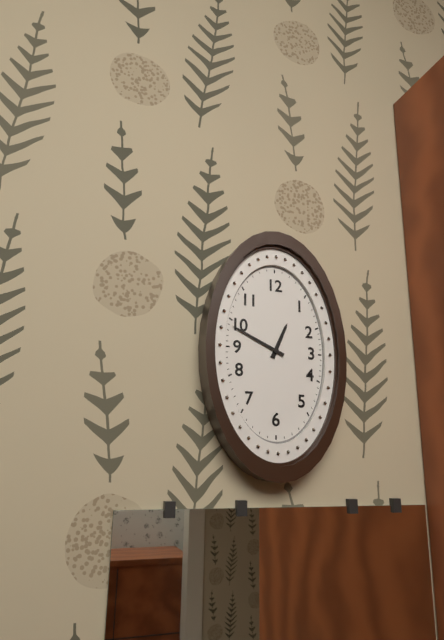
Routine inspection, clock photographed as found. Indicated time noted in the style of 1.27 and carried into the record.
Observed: 12.49
